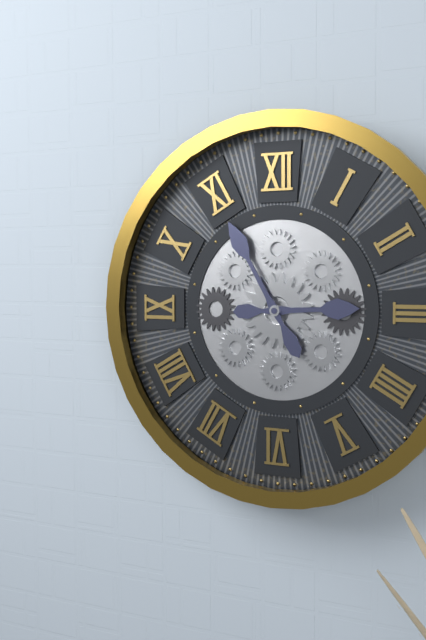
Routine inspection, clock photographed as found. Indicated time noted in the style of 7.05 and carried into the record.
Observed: 2.55
